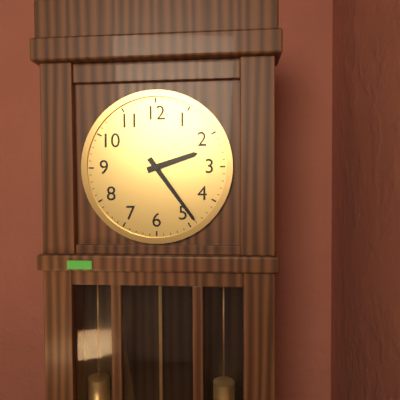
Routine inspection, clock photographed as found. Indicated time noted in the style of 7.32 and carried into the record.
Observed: 2.24
